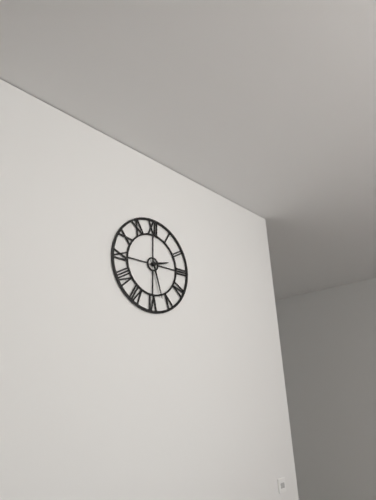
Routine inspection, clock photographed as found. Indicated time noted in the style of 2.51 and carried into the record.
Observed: 2.27
